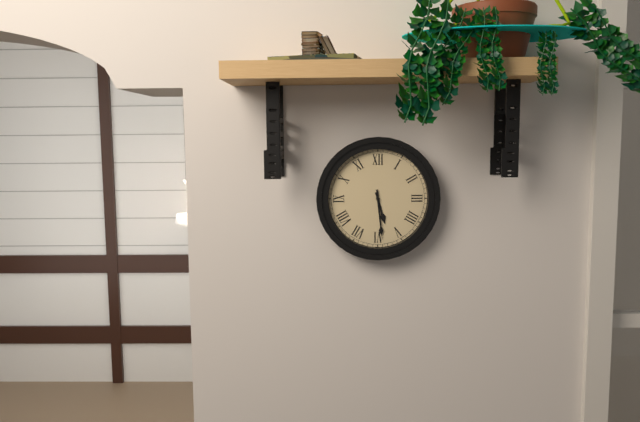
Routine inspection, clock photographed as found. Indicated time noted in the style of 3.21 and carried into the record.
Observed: 5.29
